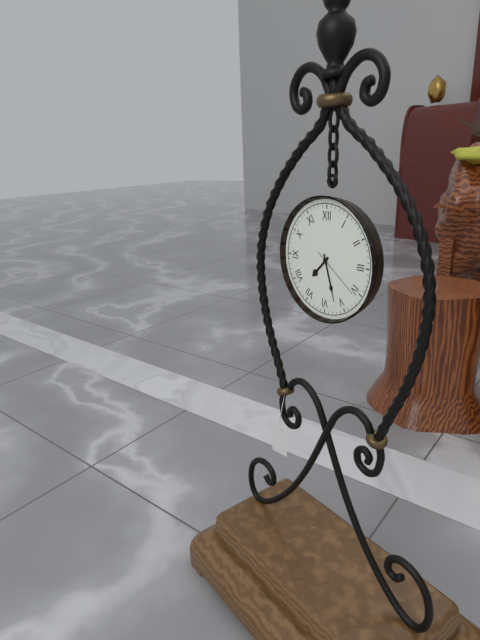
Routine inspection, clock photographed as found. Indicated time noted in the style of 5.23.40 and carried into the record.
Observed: 7.27.21
